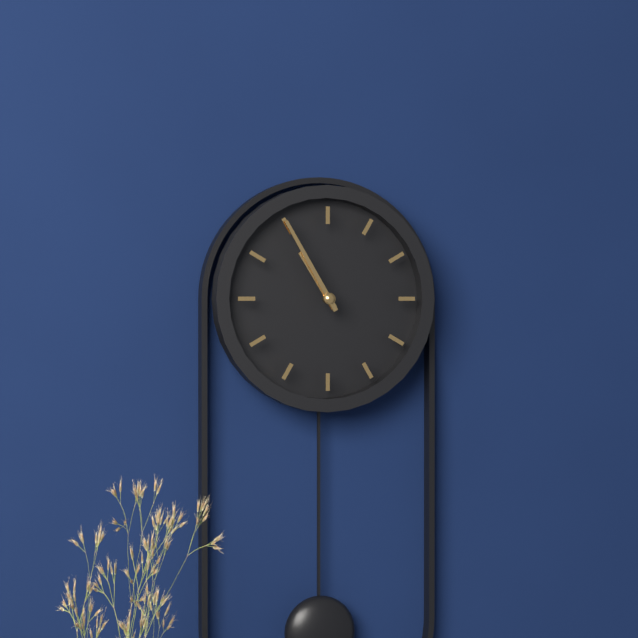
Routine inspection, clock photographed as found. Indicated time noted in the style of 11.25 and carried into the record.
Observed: 10.55
